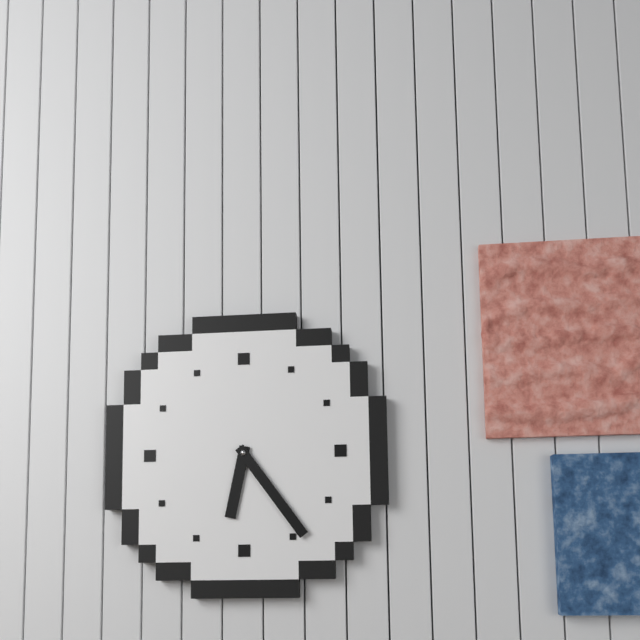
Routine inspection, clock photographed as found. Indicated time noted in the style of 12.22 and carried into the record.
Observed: 6.24
